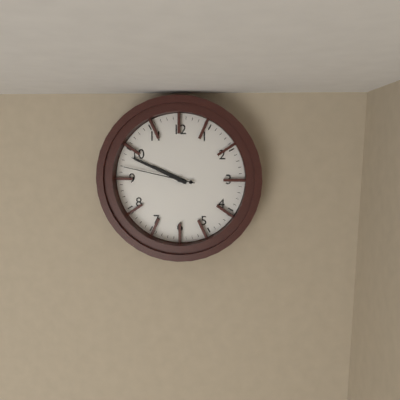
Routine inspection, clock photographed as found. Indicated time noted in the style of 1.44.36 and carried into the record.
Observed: 9.49.47
